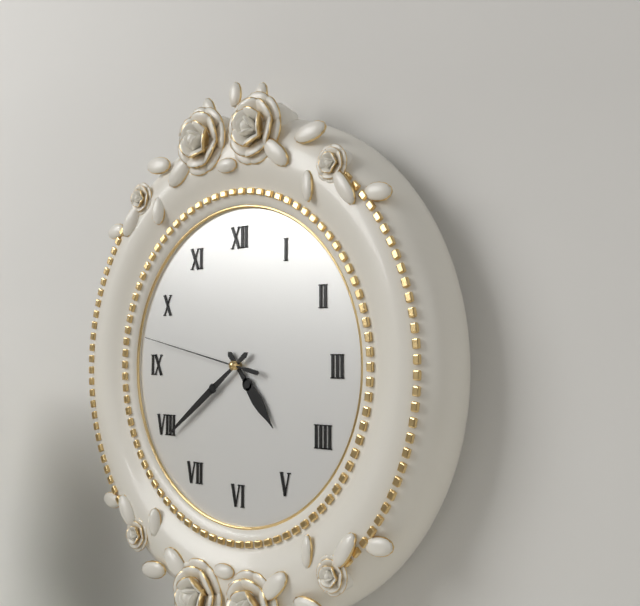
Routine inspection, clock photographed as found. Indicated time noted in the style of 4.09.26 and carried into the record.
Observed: 4.39.47
